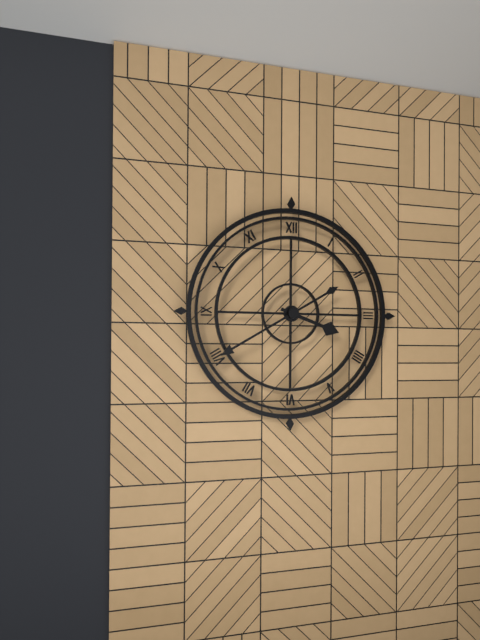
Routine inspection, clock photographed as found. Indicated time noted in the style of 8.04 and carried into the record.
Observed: 3.40
